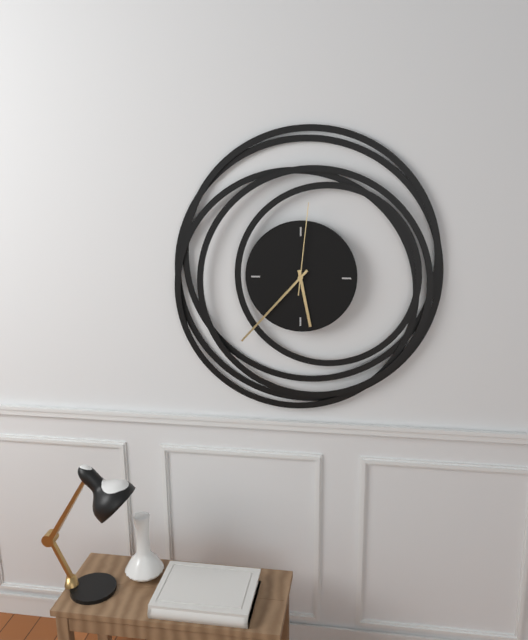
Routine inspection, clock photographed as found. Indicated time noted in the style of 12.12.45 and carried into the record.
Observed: 5.37.01
